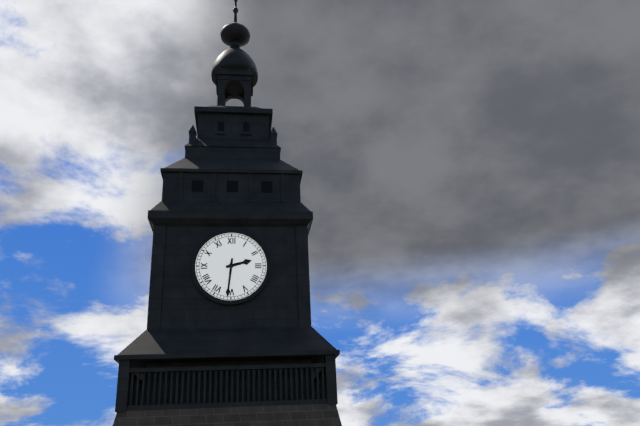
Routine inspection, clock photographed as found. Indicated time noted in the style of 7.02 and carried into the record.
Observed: 2.31
